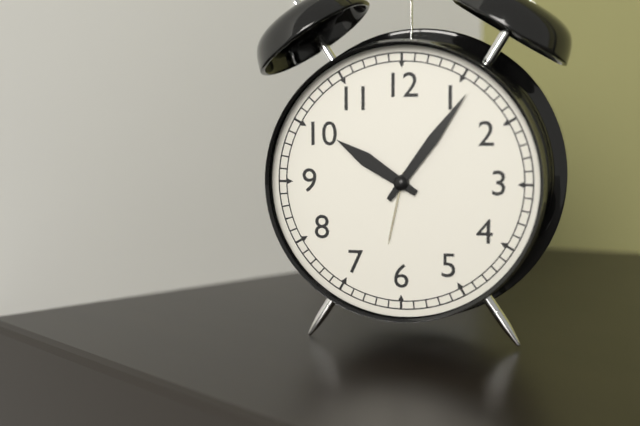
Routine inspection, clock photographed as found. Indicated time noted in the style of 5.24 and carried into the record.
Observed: 10.06
